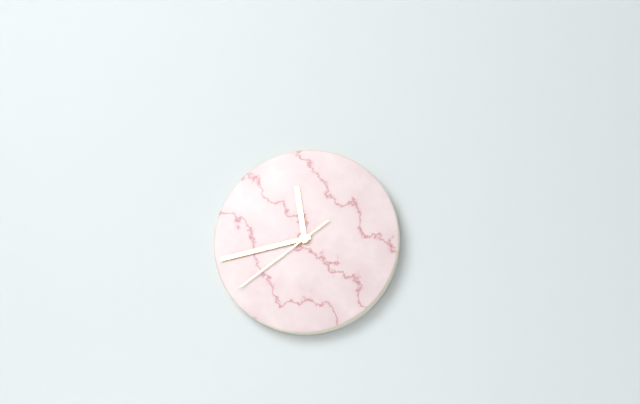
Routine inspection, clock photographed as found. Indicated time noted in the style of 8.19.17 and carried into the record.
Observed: 11.43.39
